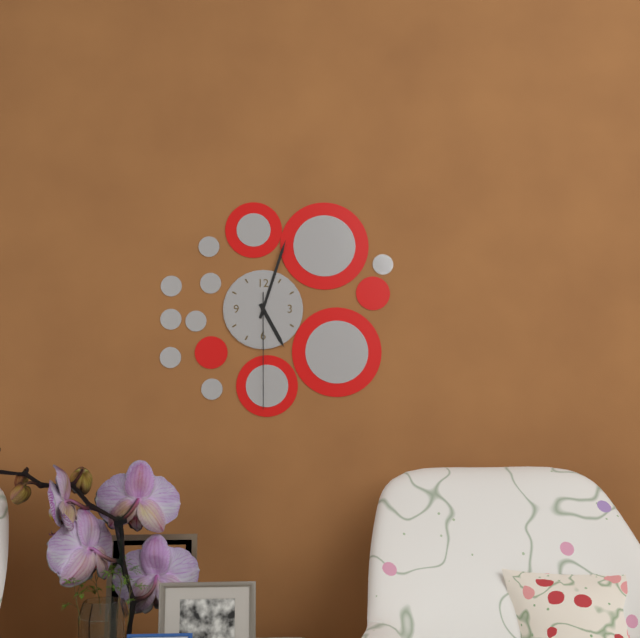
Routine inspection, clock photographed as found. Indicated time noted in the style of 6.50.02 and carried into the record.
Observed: 5.03.30
